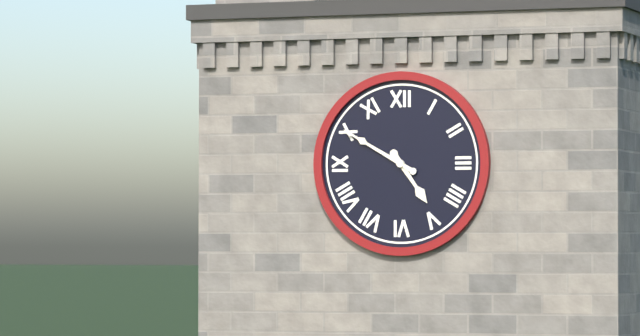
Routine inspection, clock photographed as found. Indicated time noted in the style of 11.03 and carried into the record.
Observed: 4.50
